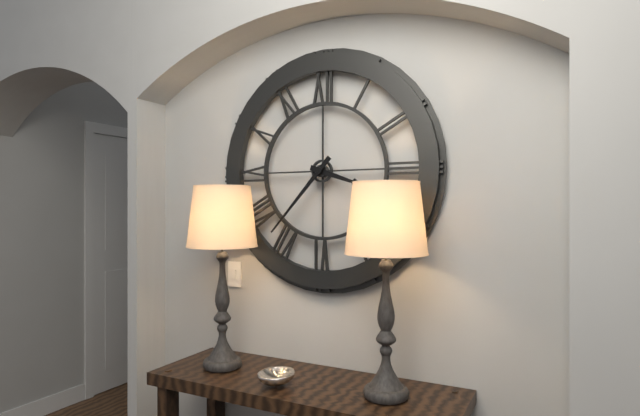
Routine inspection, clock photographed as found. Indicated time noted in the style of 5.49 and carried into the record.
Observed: 3.37
